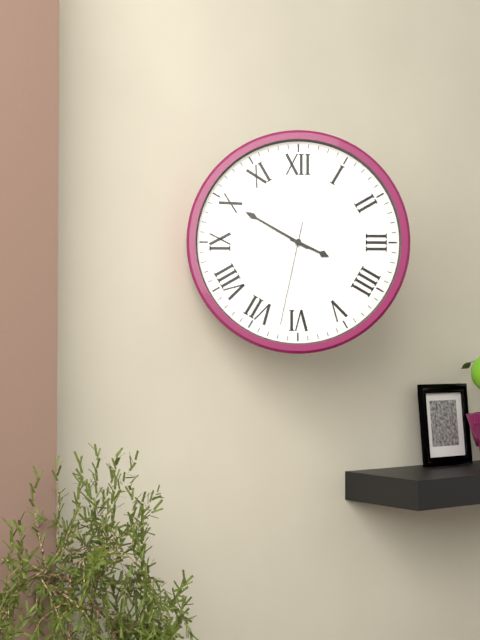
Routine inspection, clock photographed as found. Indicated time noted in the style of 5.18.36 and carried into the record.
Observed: 3.50.32
